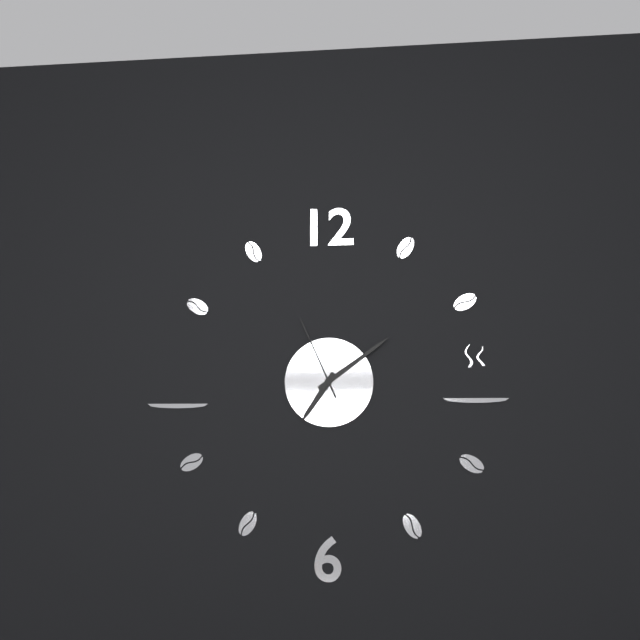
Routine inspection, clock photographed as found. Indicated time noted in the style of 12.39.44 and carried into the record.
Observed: 7.09.56
